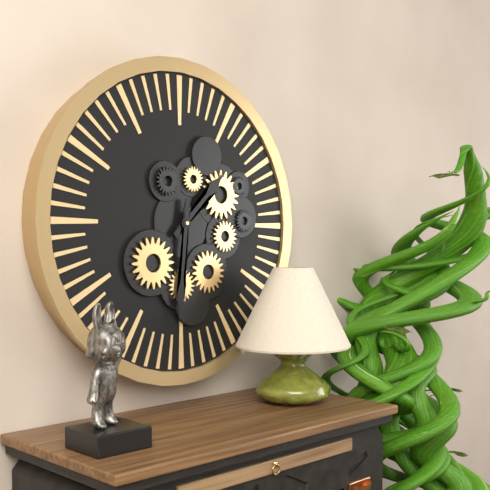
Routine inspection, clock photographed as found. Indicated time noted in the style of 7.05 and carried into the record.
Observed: 1.31
